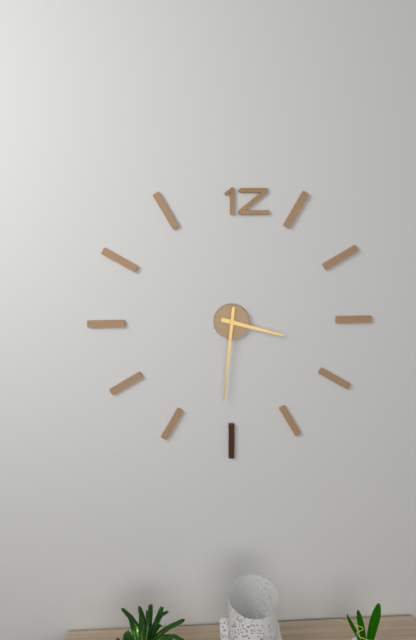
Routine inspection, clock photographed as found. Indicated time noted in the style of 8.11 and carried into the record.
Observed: 3.31
